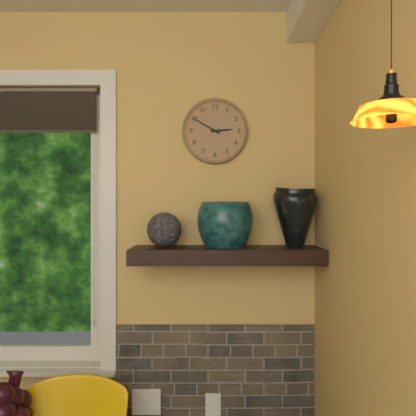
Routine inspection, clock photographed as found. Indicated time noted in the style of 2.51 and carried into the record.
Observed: 2.50
